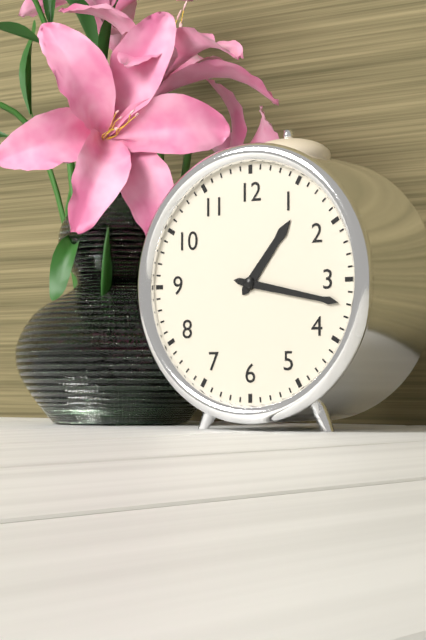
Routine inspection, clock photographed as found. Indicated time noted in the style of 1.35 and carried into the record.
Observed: 1.17
